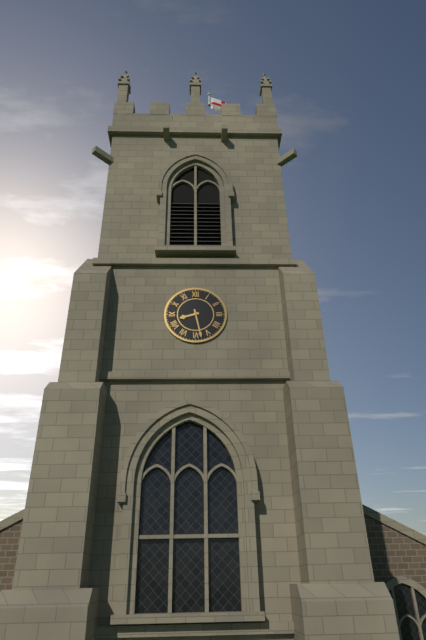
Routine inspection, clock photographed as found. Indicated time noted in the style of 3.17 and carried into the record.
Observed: 8.28
